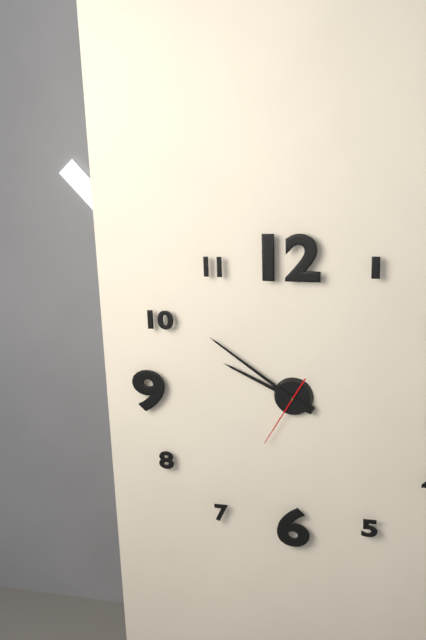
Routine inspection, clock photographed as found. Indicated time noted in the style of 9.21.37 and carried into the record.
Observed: 9.51.35
